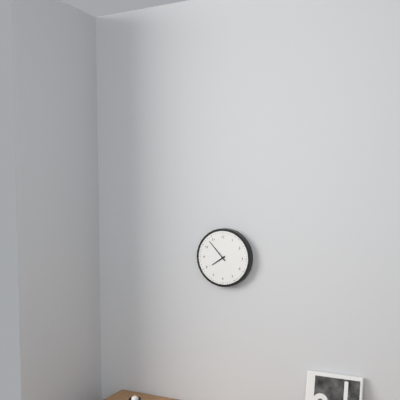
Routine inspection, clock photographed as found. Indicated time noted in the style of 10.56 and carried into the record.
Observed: 7.53
